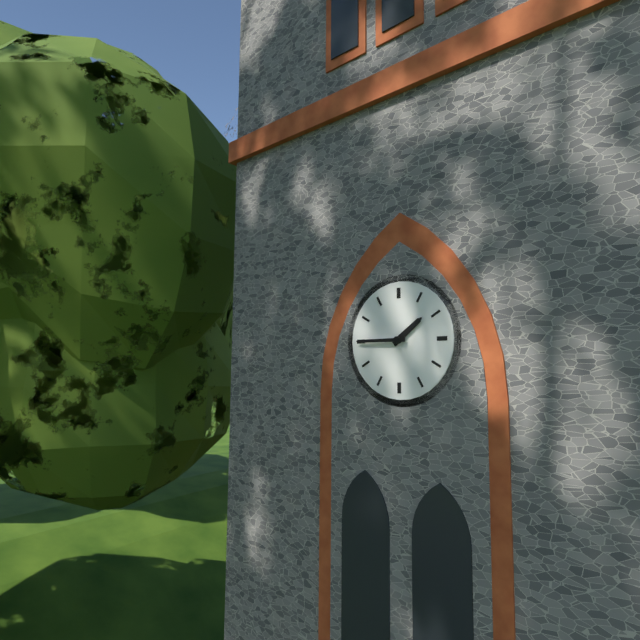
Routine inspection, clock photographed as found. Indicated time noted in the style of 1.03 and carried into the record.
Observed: 1.45
